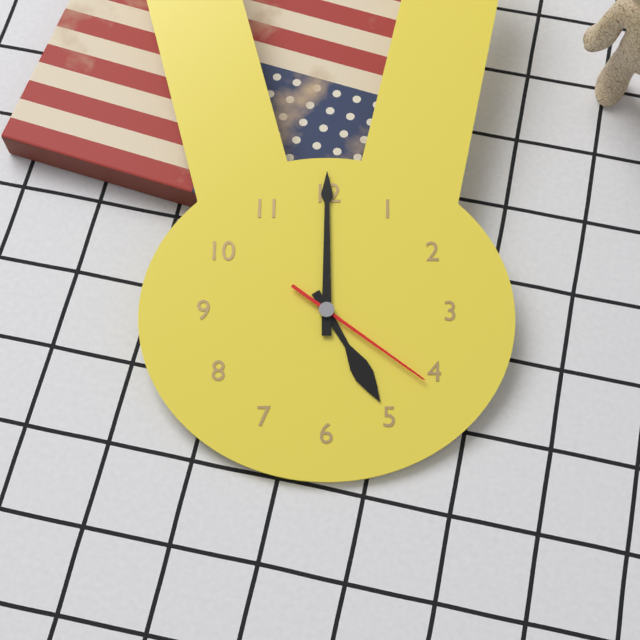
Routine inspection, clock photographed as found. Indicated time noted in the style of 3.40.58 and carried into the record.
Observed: 5.00.21
